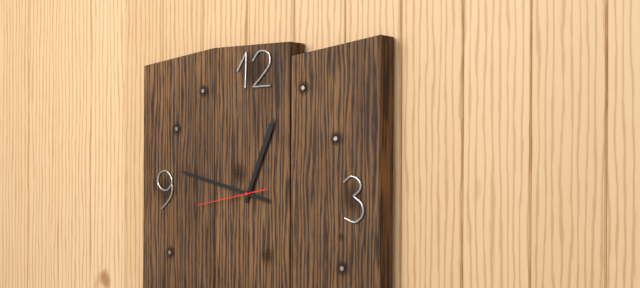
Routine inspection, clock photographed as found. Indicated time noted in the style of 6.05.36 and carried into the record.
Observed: 12.47.43
